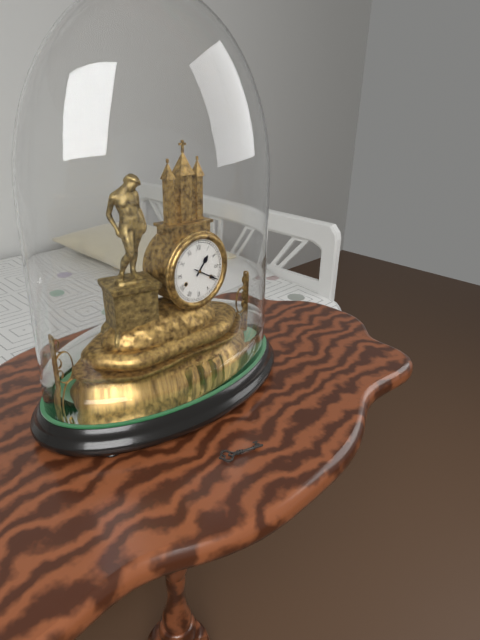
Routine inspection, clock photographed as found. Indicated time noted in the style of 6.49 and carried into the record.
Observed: 1.20
